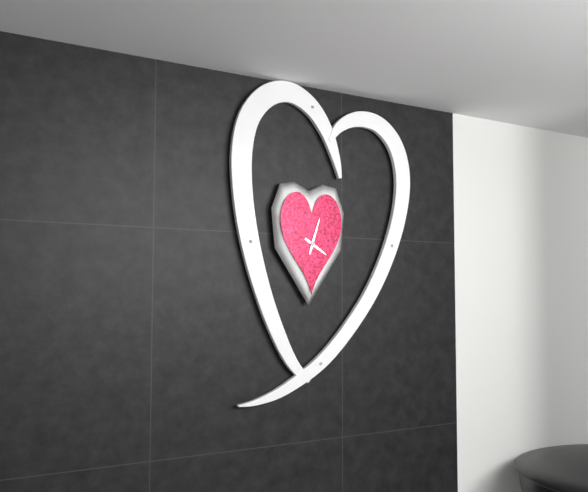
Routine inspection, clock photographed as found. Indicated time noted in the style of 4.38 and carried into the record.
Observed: 4.03
